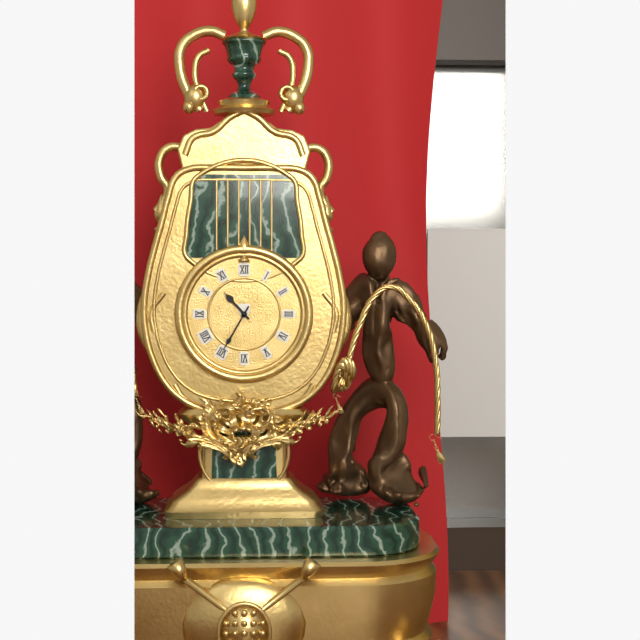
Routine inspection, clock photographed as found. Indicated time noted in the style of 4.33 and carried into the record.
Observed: 10.35
